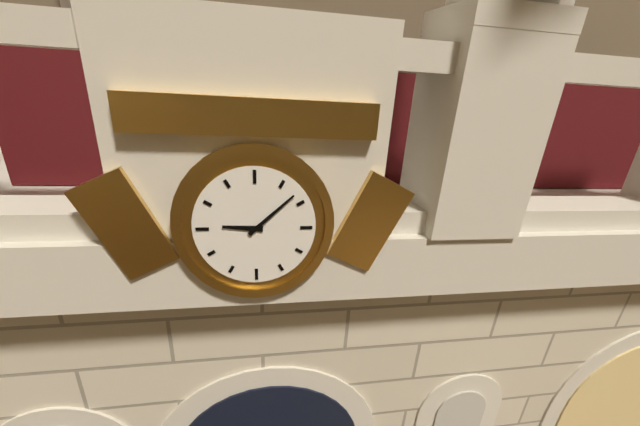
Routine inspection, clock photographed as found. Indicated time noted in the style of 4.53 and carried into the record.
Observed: 9.08
